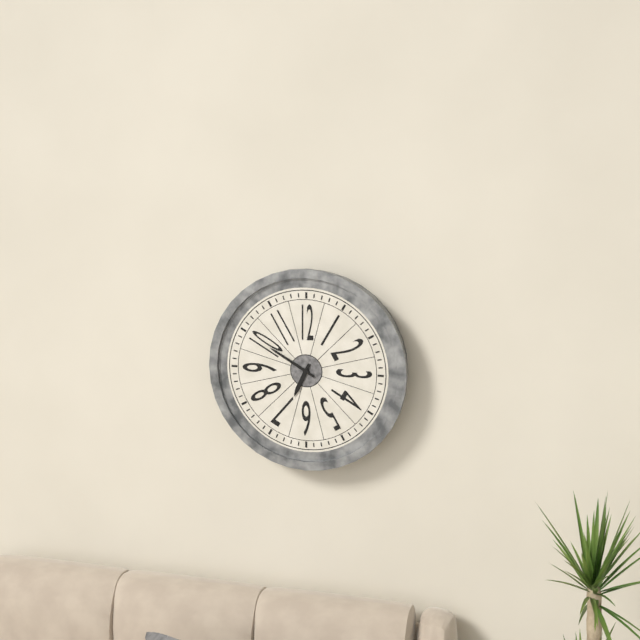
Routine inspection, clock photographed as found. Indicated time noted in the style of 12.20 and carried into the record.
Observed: 6.50
